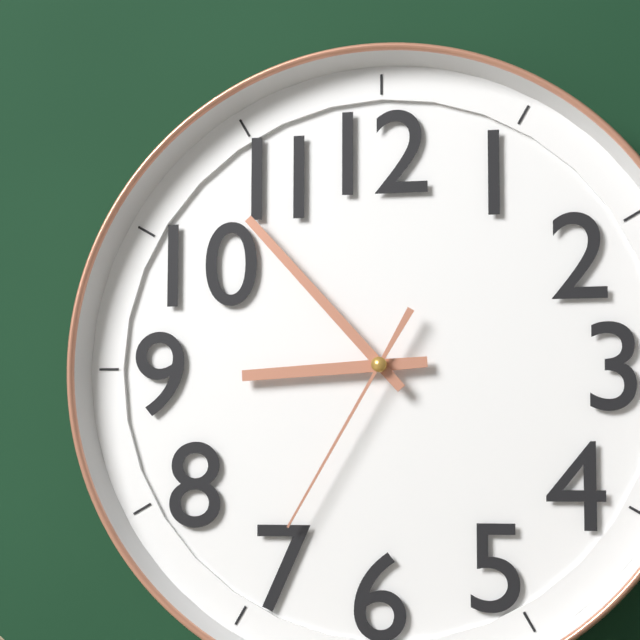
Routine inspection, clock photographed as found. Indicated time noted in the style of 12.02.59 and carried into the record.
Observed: 8.53.35
